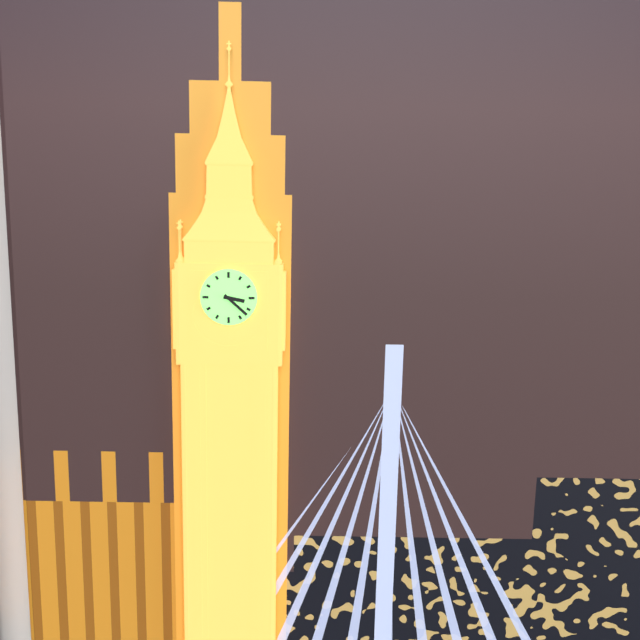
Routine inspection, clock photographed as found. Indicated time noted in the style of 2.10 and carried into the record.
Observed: 3.22
